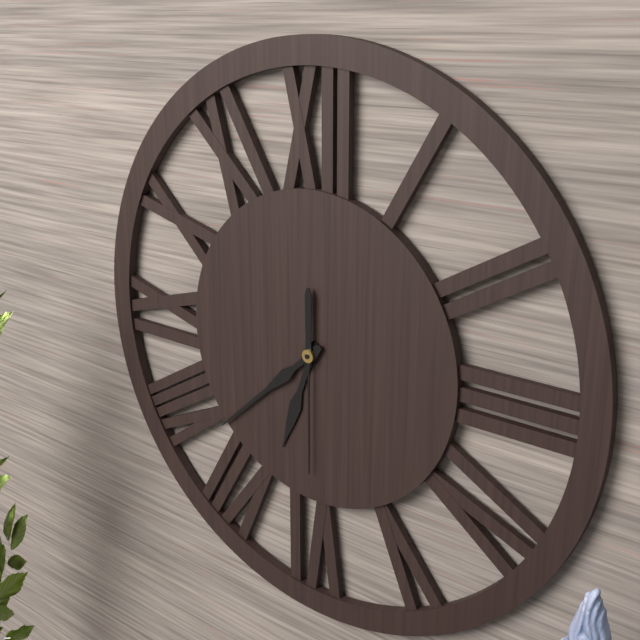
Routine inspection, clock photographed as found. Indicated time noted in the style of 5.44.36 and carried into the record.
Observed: 6.38.30
